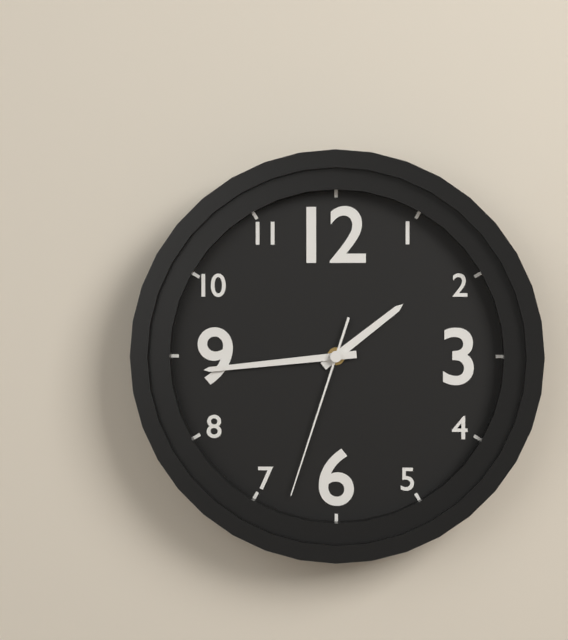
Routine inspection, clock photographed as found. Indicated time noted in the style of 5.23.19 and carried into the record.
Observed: 1.44.33
